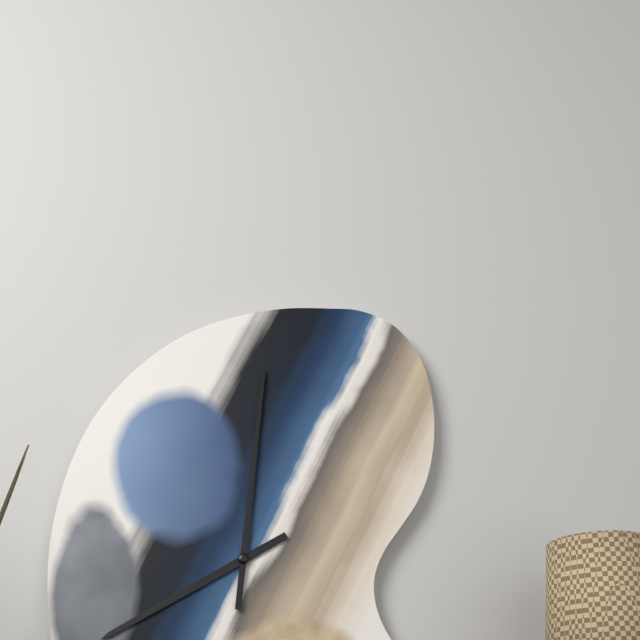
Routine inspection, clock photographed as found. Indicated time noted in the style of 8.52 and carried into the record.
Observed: 8.01
